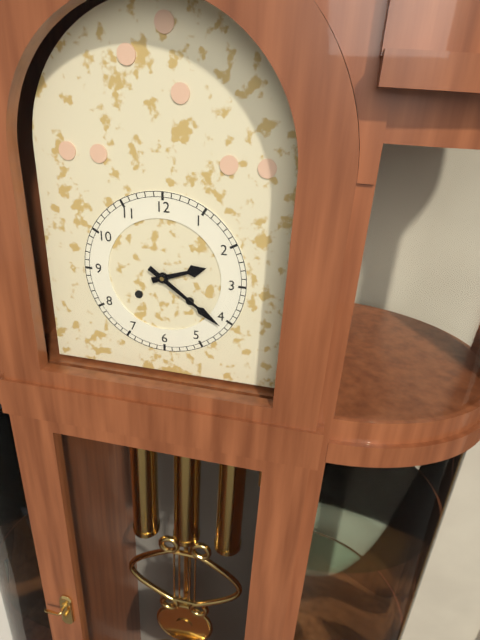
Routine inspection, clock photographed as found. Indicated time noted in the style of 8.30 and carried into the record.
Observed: 2.21
